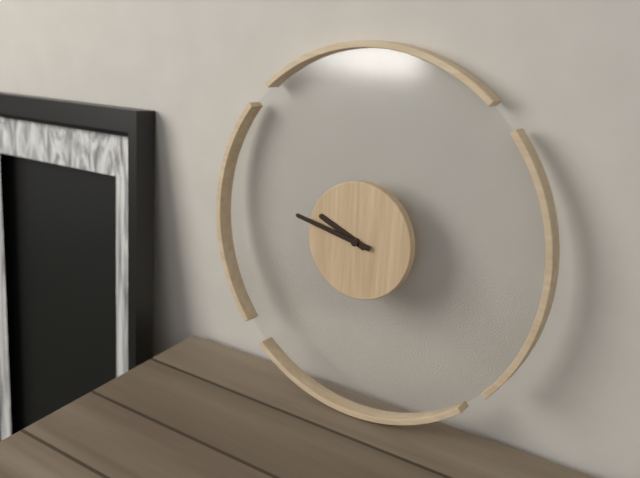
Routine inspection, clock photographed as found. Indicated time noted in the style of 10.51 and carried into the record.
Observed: 9.47
